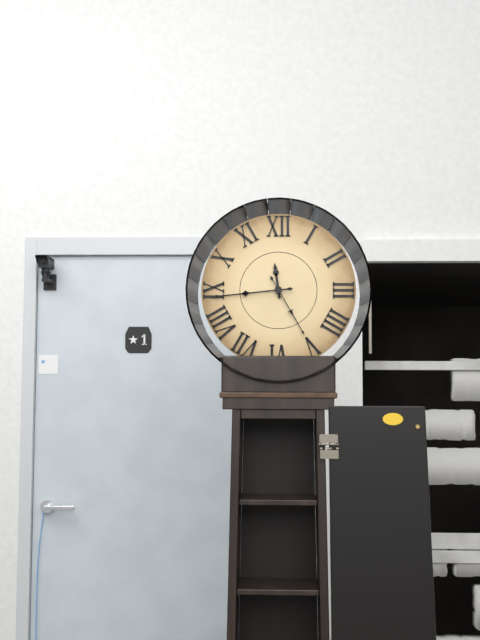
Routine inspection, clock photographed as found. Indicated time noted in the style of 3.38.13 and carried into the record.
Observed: 11.44.25
